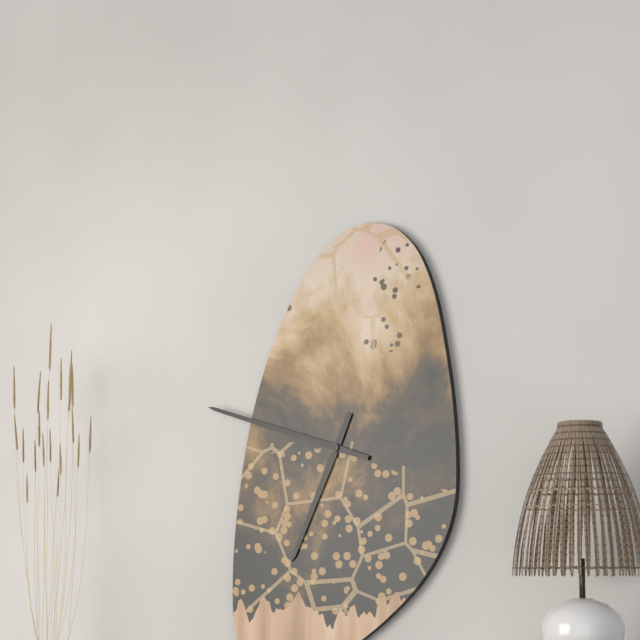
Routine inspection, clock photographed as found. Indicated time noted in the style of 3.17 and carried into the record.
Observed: 6.48
